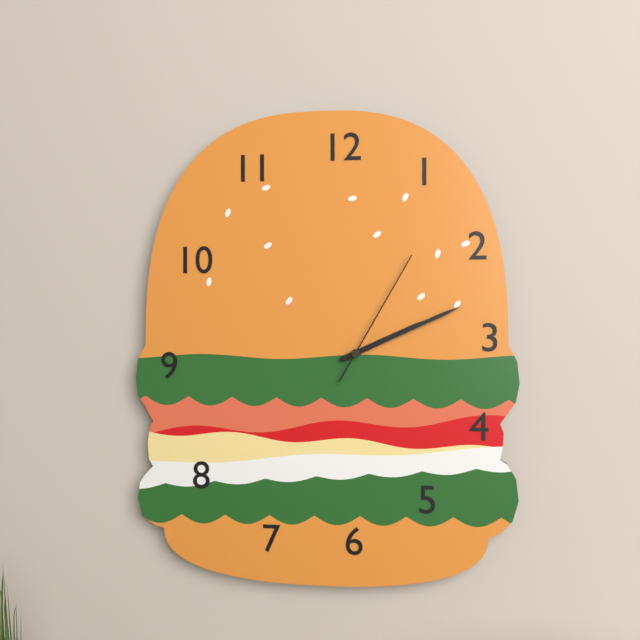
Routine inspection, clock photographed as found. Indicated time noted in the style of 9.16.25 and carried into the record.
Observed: 2.11.05
